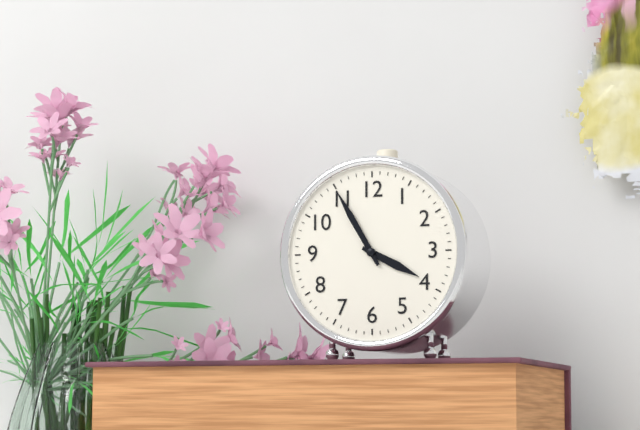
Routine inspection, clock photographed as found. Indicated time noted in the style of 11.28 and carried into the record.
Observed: 3.55
